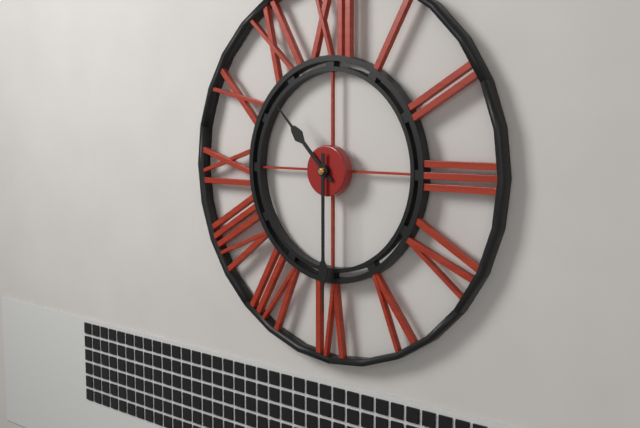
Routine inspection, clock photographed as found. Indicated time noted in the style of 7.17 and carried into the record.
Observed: 10.30
